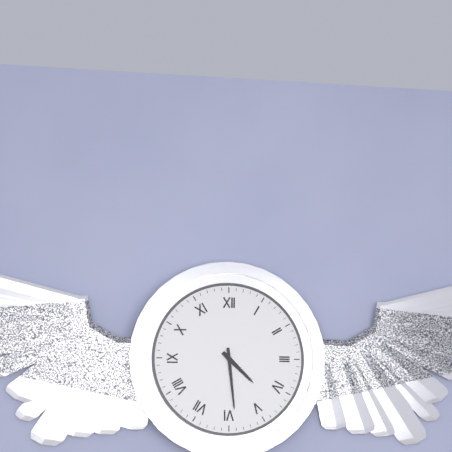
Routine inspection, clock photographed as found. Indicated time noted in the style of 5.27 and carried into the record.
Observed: 4.29
